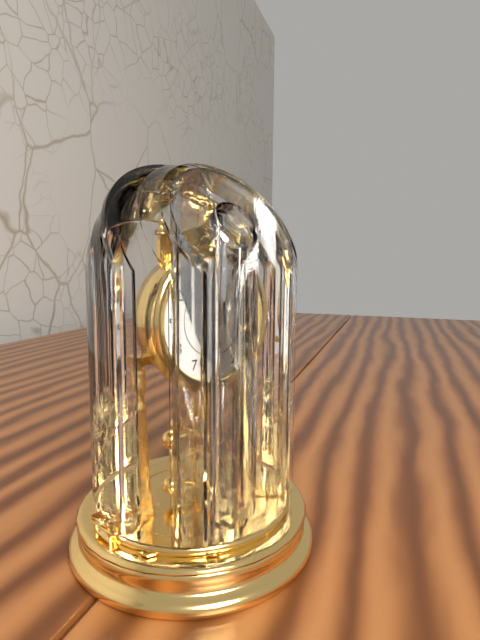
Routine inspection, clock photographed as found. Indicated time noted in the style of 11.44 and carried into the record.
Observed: 5.34
